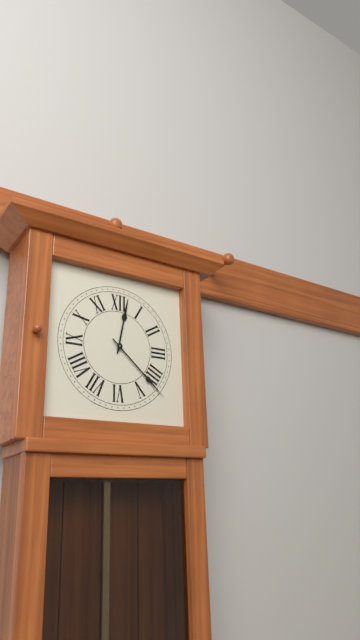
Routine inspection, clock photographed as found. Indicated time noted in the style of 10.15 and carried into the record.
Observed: 12.22
